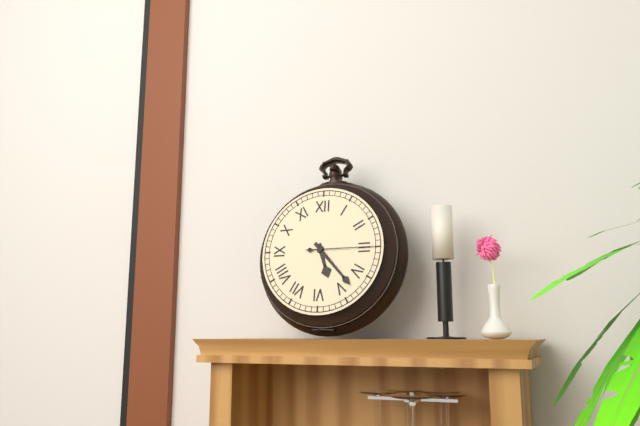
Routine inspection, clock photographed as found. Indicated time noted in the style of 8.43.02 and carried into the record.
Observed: 5.23.15
